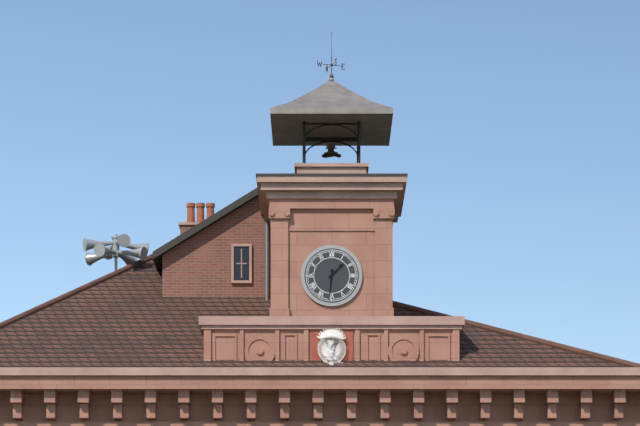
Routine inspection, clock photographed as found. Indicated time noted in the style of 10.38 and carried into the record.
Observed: 1.31
